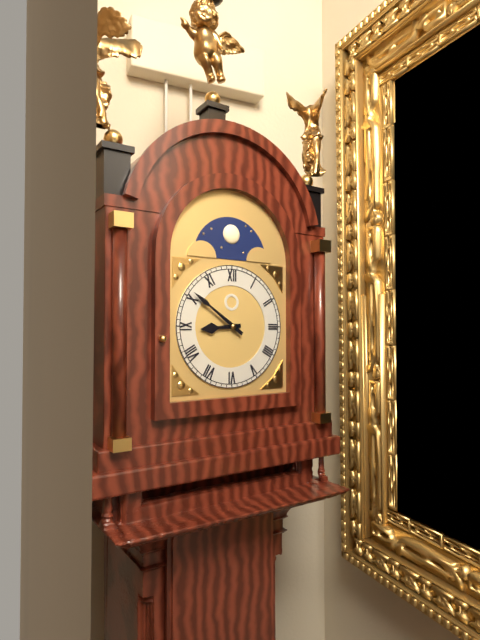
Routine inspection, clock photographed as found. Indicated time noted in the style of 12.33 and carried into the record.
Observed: 8.51
